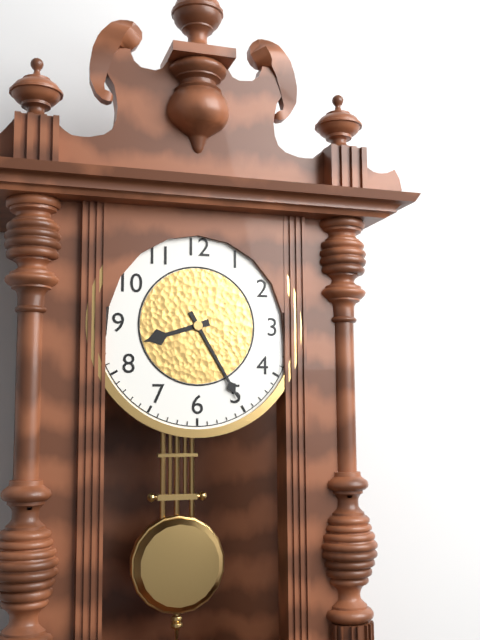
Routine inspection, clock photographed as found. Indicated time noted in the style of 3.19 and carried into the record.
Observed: 8.25
